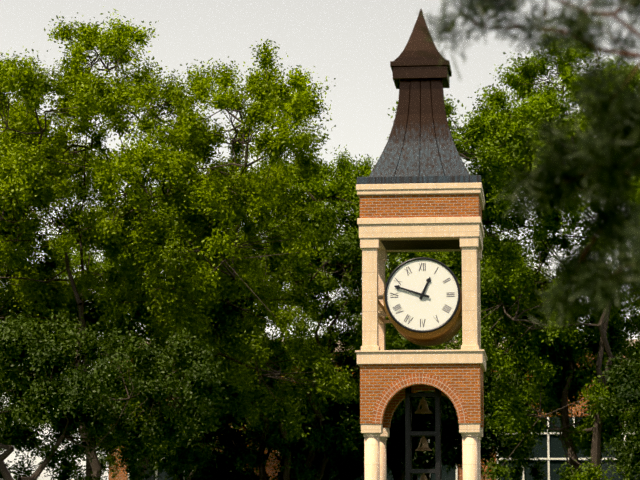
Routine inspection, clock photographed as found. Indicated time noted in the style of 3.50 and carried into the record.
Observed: 12.48
